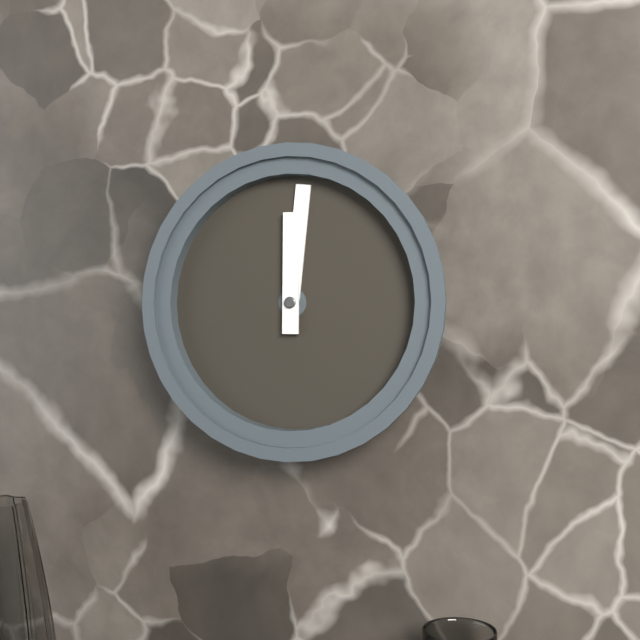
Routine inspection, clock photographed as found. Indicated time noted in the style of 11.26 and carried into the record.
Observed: 12.01
